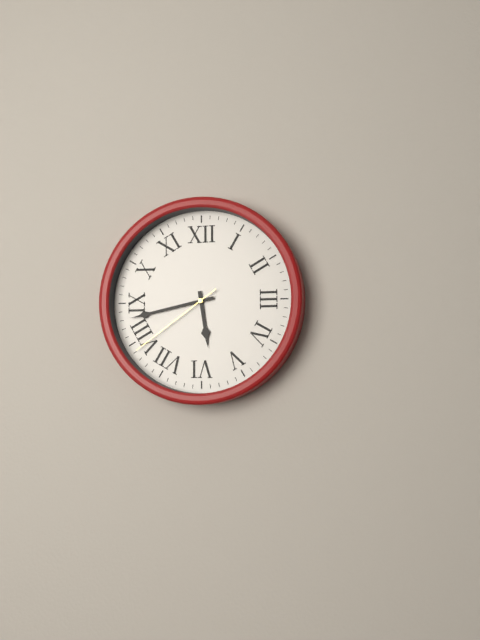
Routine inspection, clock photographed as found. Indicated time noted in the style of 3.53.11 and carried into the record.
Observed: 5.43.39
